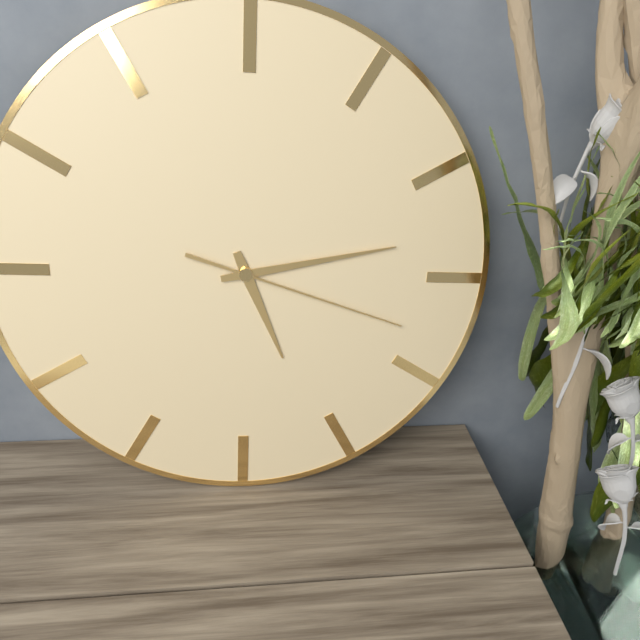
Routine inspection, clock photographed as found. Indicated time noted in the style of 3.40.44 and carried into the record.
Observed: 5.13.18
